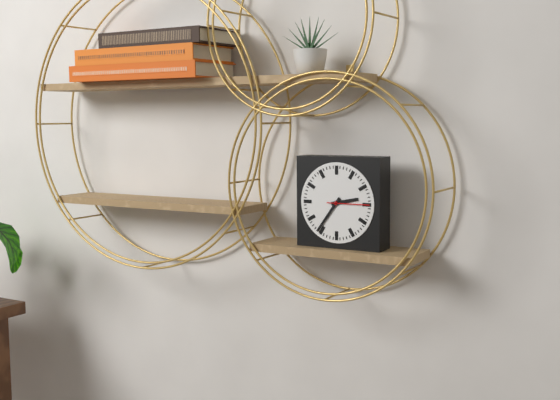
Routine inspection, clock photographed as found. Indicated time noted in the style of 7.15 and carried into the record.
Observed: 2.36
